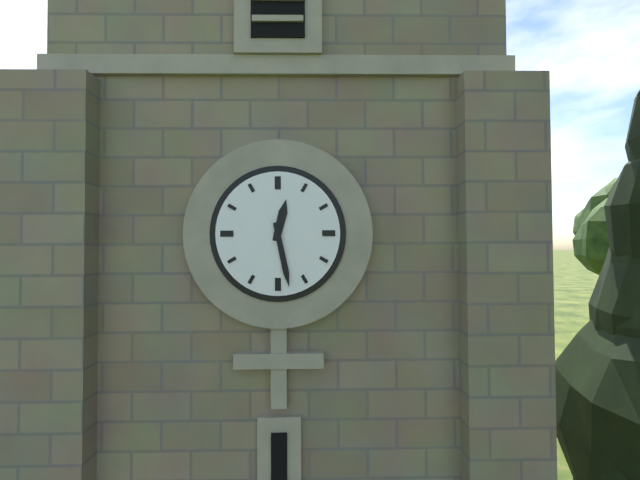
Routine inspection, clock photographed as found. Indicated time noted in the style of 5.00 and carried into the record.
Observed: 12.28
